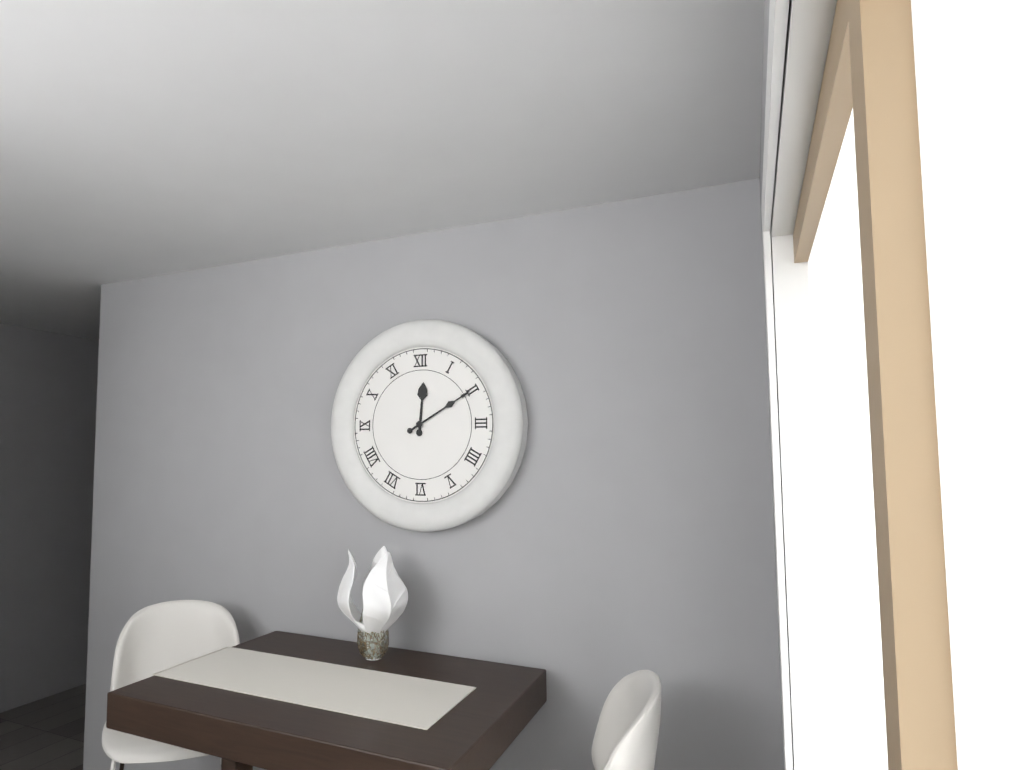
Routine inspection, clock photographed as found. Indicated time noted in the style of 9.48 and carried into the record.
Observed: 12.10
